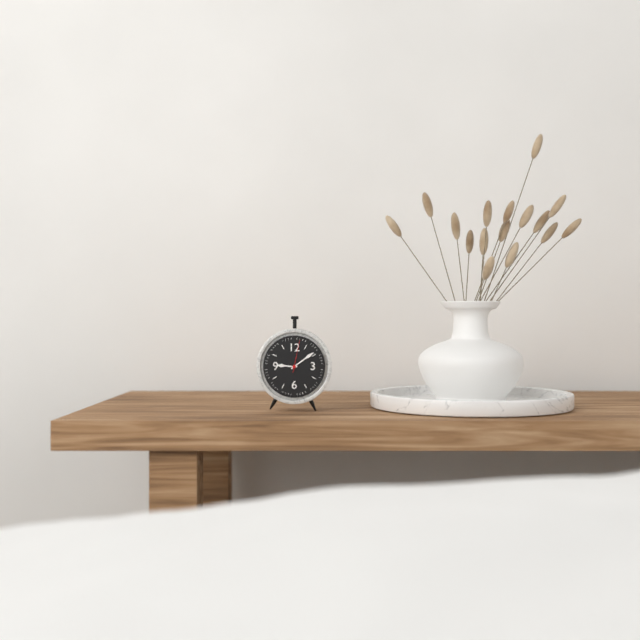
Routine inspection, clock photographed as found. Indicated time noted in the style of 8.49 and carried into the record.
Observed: 9.09
